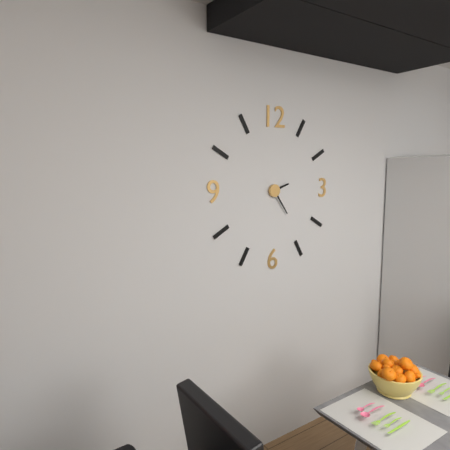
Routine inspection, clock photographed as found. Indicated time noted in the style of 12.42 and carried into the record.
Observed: 2.24
